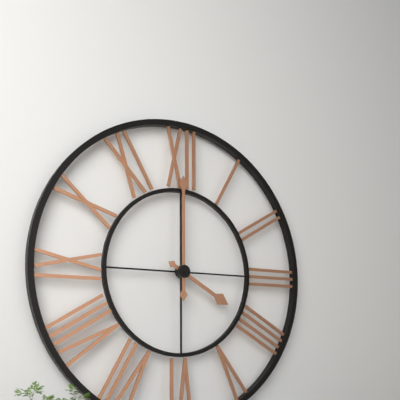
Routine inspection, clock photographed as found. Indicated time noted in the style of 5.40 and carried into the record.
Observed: 4.00
